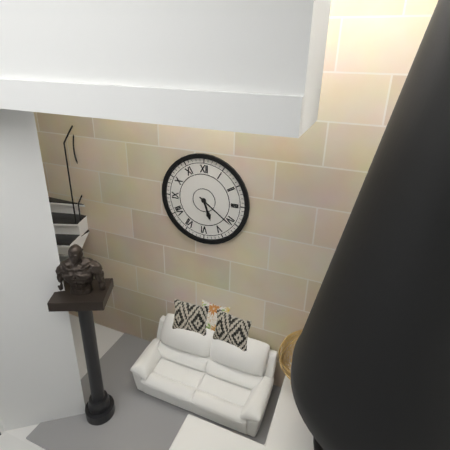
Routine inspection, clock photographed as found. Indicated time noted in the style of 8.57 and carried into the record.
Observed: 5.21
